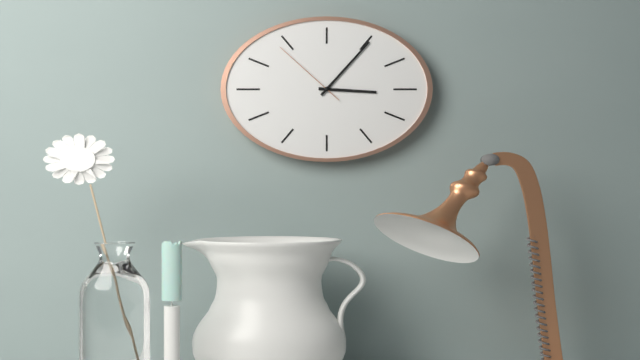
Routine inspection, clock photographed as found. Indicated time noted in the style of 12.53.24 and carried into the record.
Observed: 3.07.52
